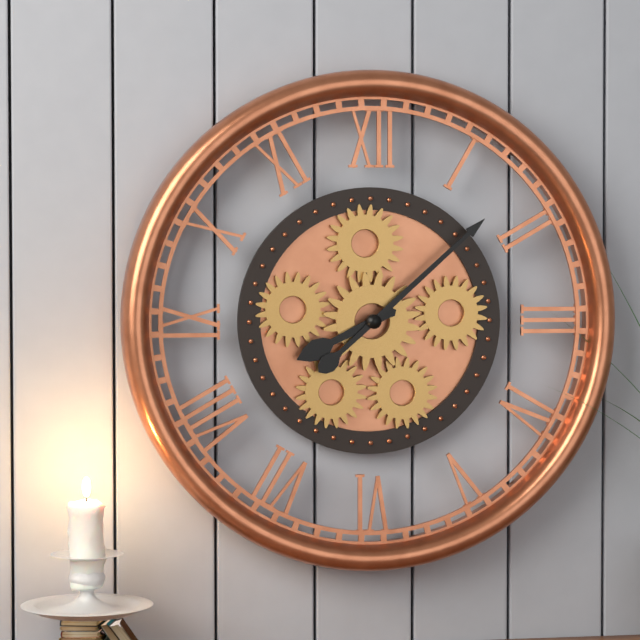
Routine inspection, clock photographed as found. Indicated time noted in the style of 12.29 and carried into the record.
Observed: 8.08
